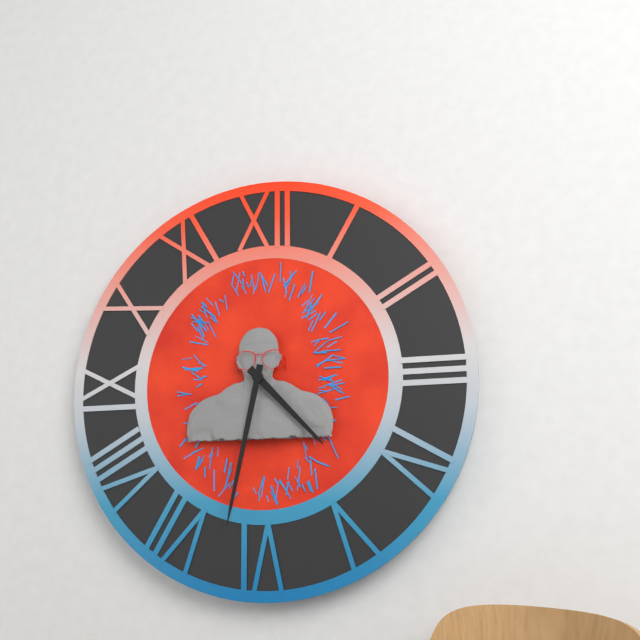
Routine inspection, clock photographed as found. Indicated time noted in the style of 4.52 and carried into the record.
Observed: 4.32
